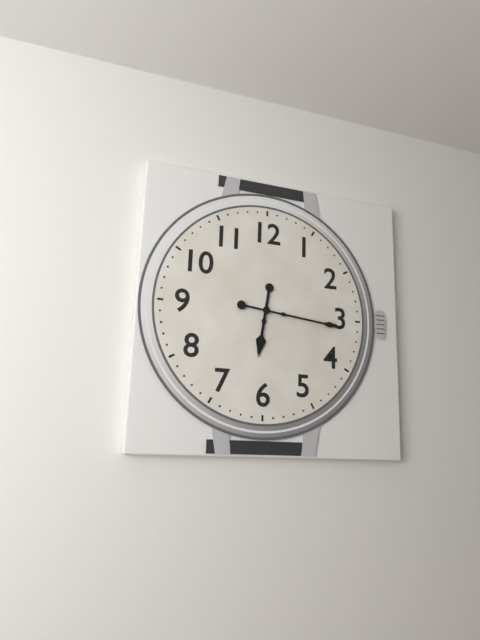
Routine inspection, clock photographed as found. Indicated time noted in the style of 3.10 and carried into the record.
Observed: 6.16
